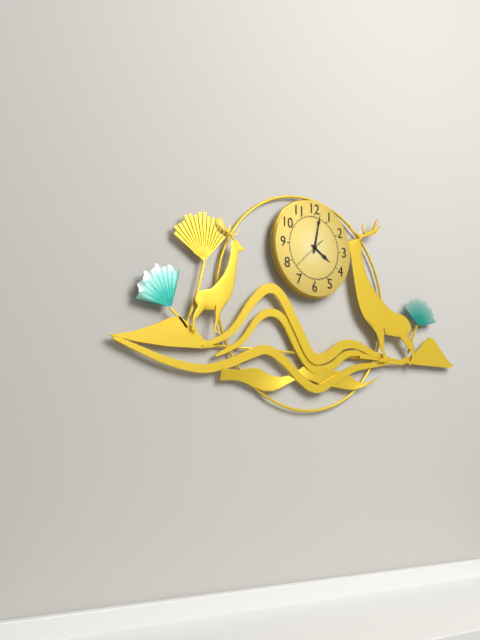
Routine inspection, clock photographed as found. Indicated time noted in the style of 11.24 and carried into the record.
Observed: 4.02
